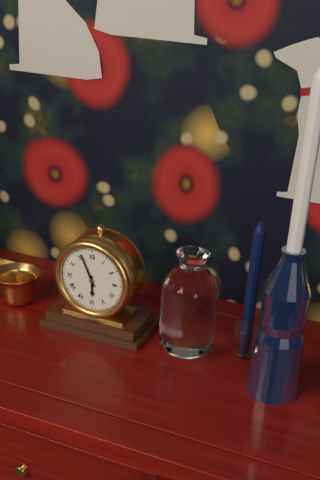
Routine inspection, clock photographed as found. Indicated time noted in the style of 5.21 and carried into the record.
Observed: 5.56
